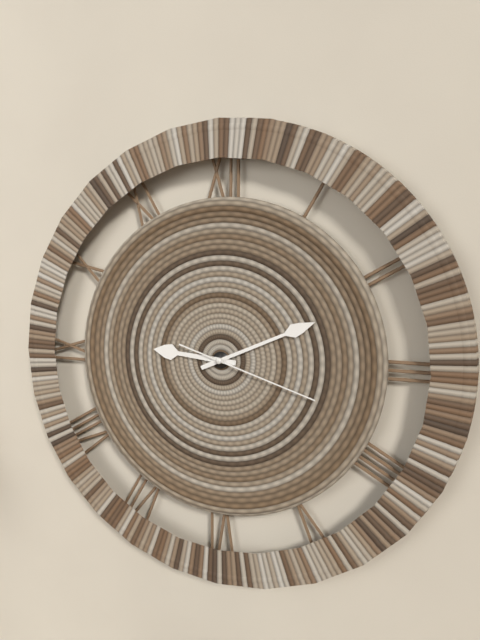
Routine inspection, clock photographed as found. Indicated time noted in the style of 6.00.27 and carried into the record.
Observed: 9.11.18
